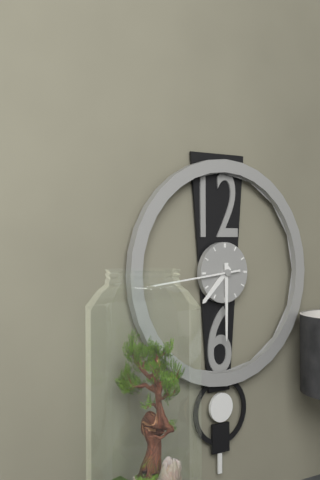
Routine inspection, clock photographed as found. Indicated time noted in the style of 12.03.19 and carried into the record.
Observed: 7.30.44
